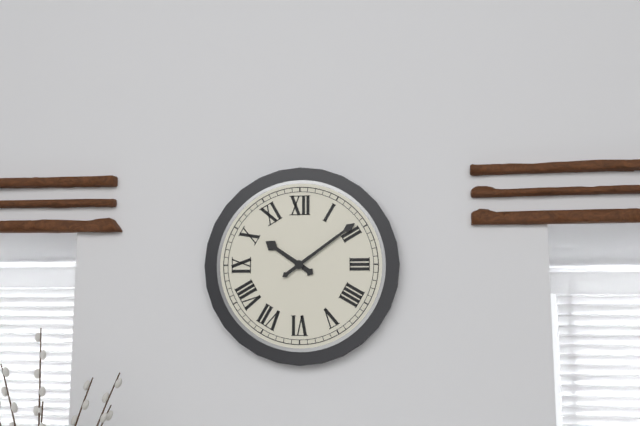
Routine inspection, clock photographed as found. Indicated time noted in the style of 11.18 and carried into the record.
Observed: 10.09
